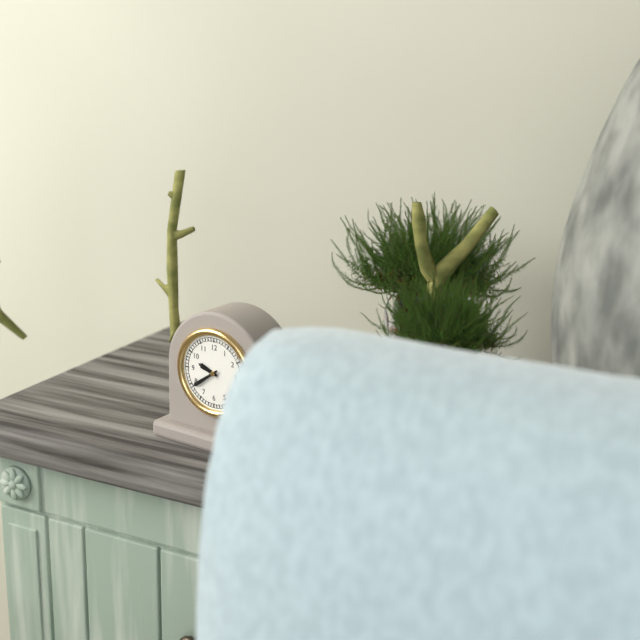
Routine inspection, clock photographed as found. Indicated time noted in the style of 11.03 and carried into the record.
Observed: 9.39
